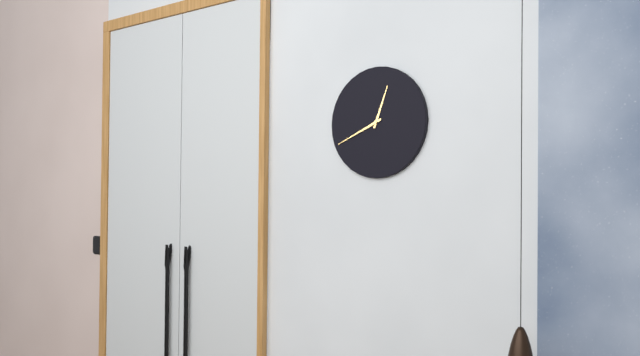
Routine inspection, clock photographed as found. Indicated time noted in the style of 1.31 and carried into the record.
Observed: 12.41
